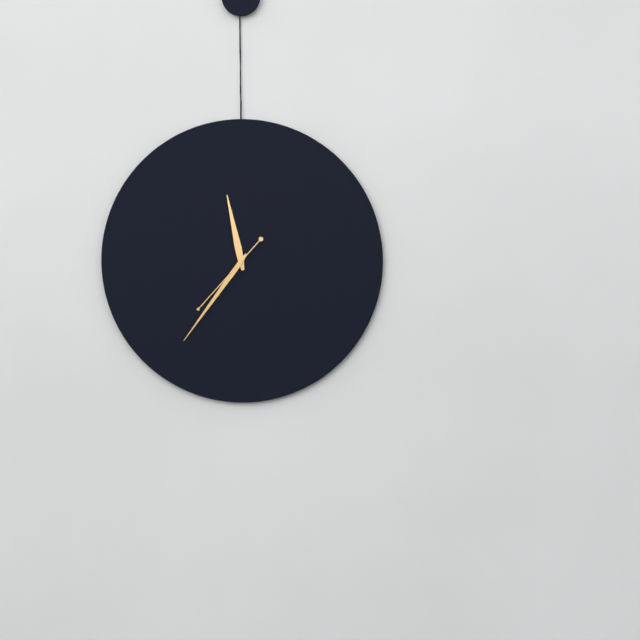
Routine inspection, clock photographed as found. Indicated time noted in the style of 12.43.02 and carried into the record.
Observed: 11.36.37
